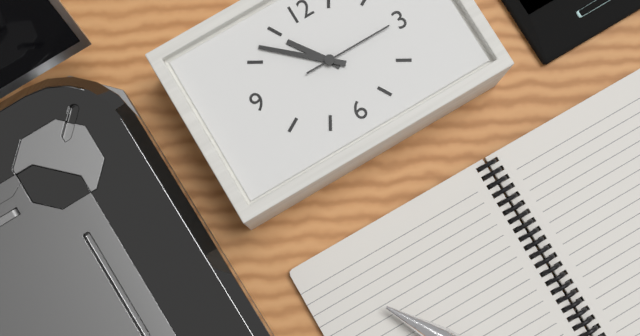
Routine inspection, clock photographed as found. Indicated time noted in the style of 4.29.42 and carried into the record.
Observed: 10.52.15
